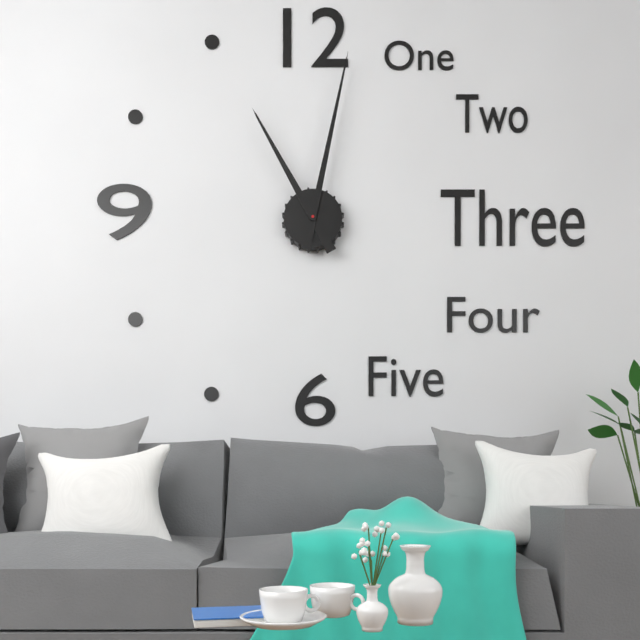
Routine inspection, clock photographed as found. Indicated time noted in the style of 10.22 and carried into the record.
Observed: 11.02
